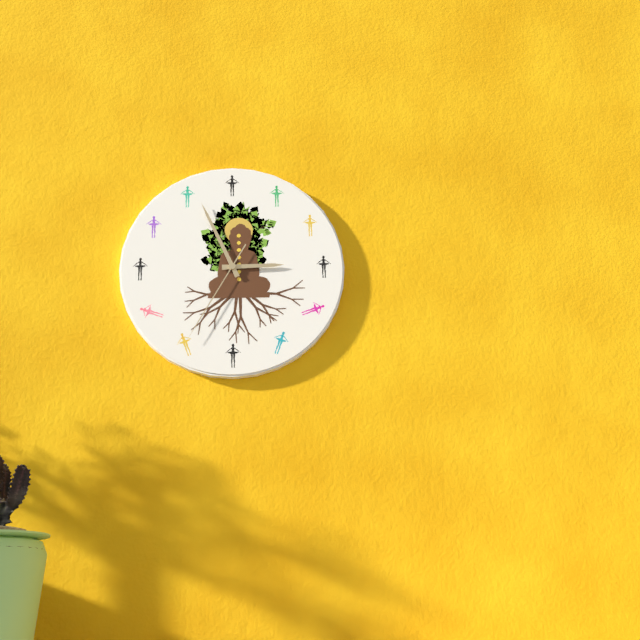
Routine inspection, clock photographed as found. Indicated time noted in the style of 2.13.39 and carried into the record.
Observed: 2.56.35
